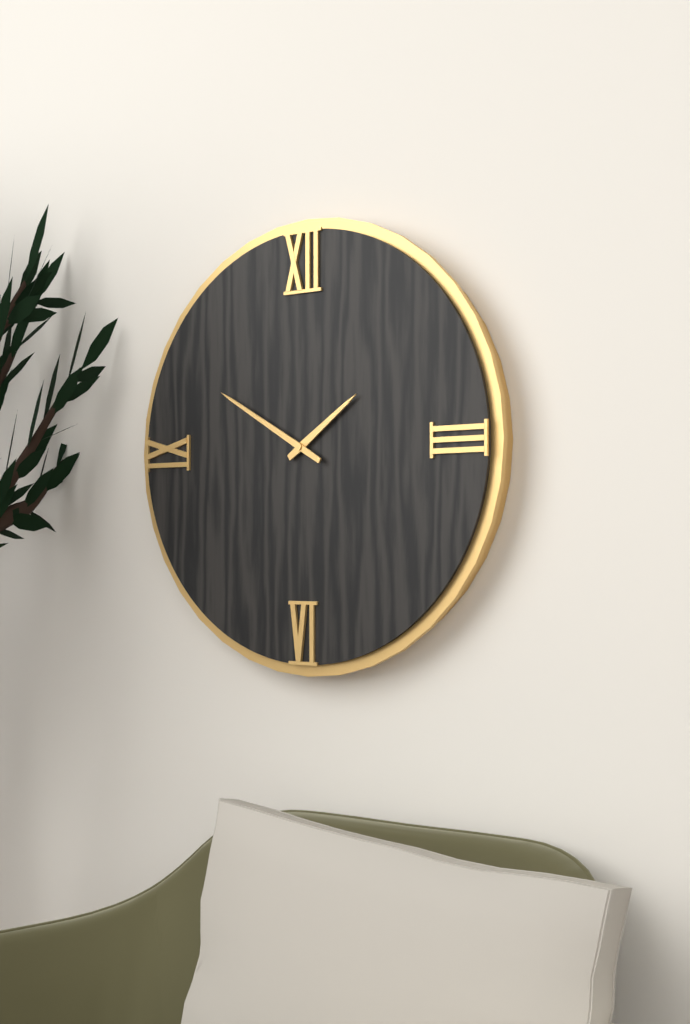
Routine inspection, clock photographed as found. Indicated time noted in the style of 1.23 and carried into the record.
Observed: 1.50
